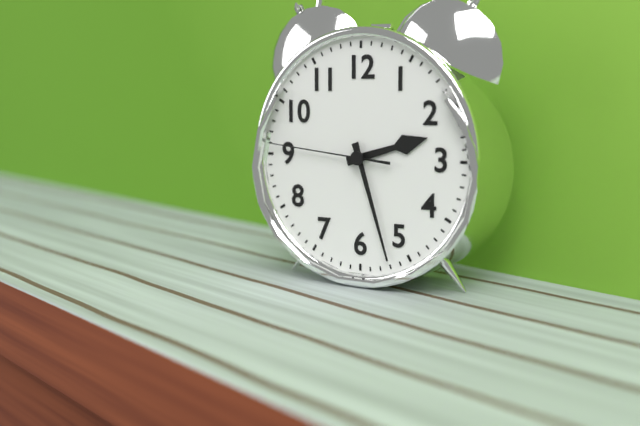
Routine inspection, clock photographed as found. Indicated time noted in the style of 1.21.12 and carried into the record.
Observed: 2.27.46
